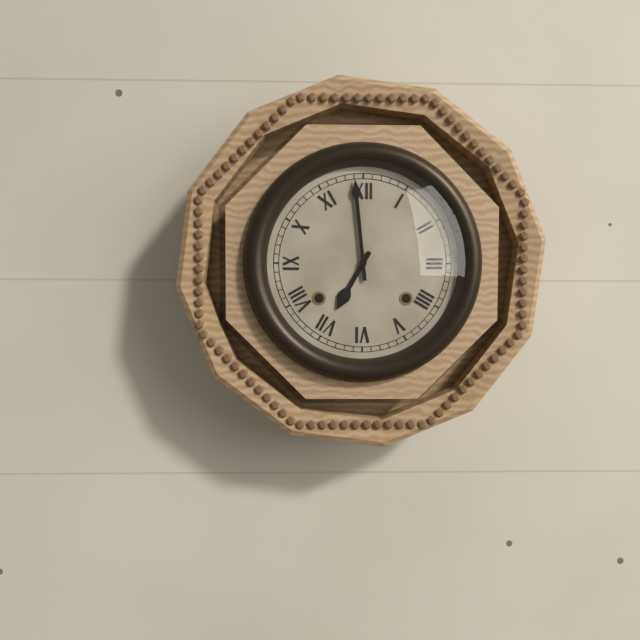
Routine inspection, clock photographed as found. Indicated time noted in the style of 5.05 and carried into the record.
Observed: 6.59
